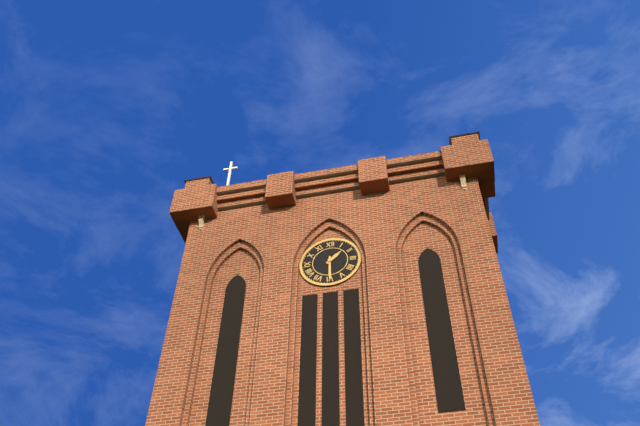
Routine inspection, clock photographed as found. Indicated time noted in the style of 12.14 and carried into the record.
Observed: 1.30
